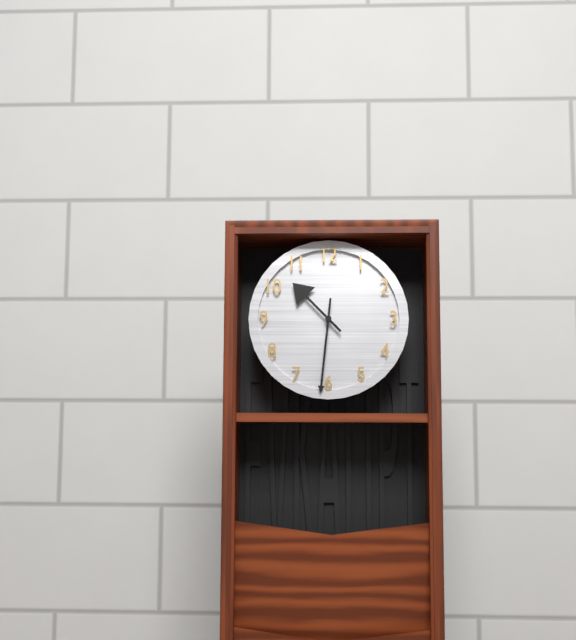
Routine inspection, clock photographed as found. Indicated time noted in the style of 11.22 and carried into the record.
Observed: 10.31
